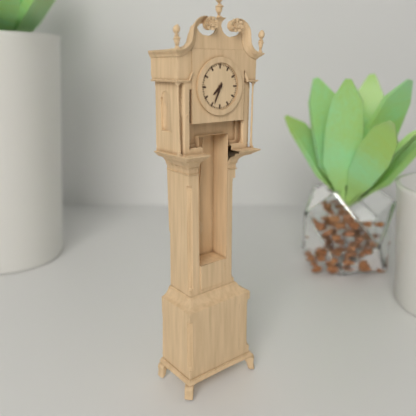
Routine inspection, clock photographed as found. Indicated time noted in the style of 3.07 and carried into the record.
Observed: 7.34
